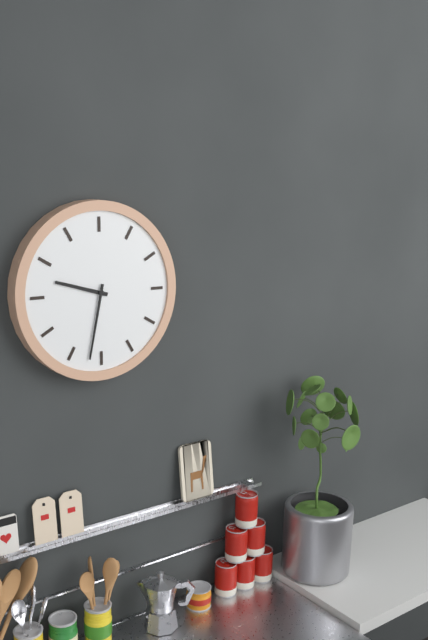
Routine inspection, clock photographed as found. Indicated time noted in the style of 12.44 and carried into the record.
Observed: 9.32
